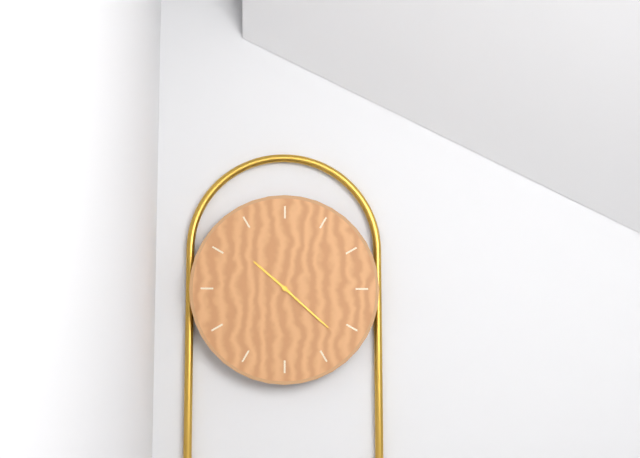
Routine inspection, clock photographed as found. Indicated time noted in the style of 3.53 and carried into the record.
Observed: 10.22
